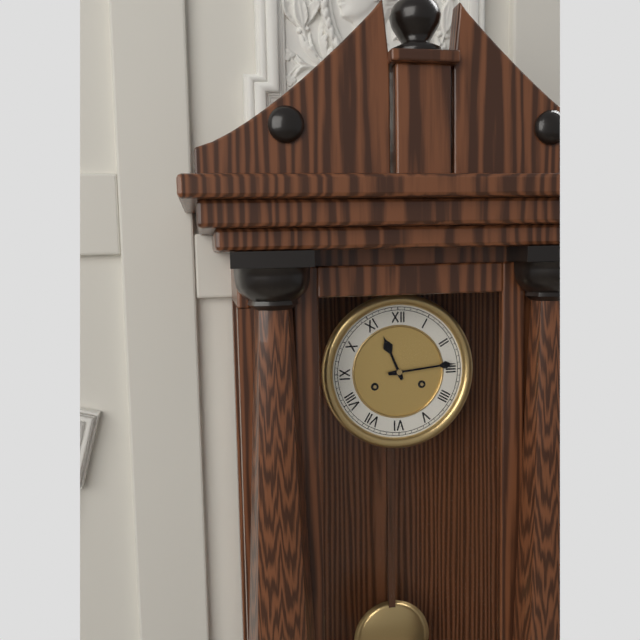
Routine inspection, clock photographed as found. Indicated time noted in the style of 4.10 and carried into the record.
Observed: 11.14
